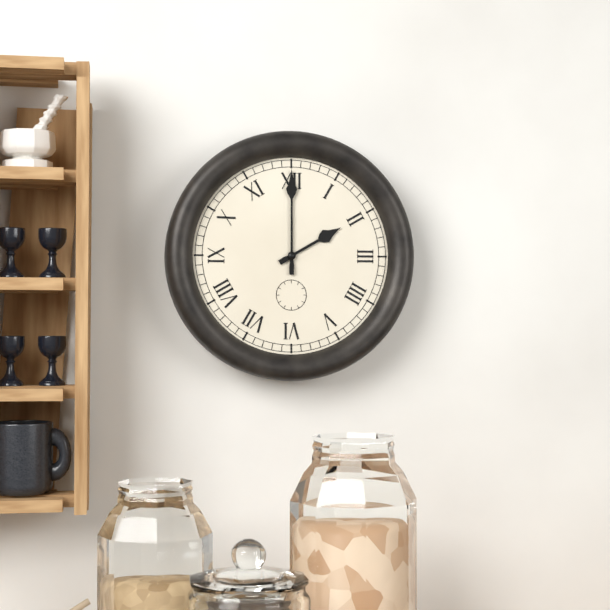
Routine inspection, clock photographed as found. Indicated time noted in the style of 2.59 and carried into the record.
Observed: 2.00
